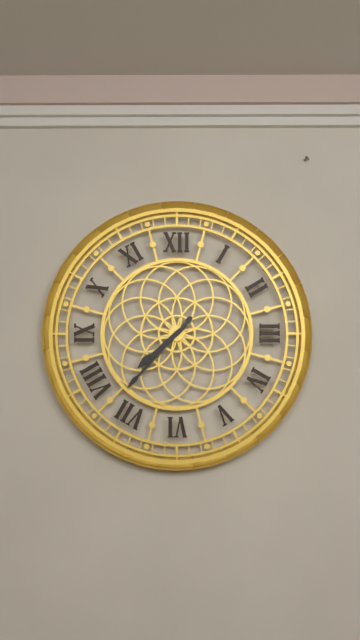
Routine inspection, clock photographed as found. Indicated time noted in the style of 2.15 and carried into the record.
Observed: 7.37
